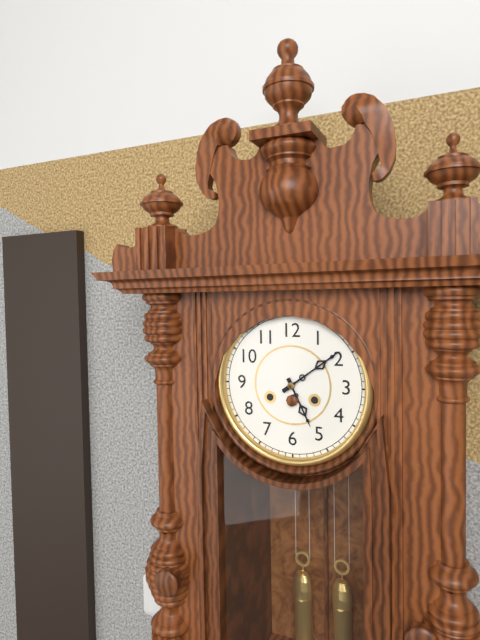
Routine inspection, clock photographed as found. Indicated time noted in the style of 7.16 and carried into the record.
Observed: 5.09
